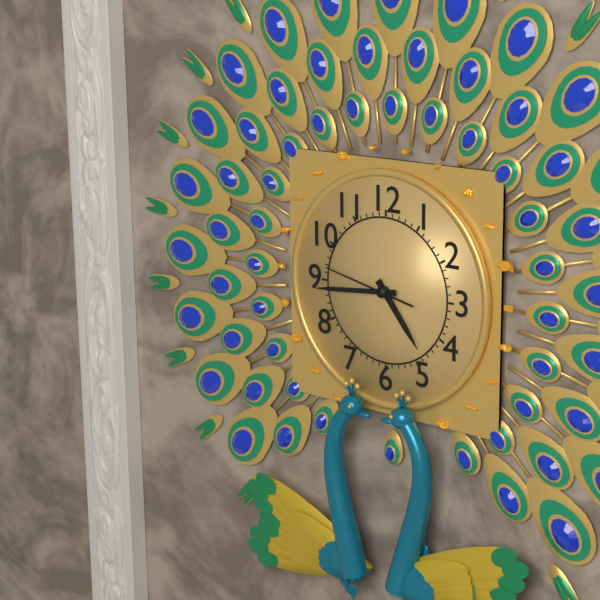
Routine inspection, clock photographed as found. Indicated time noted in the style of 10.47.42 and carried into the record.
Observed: 4.44.47
